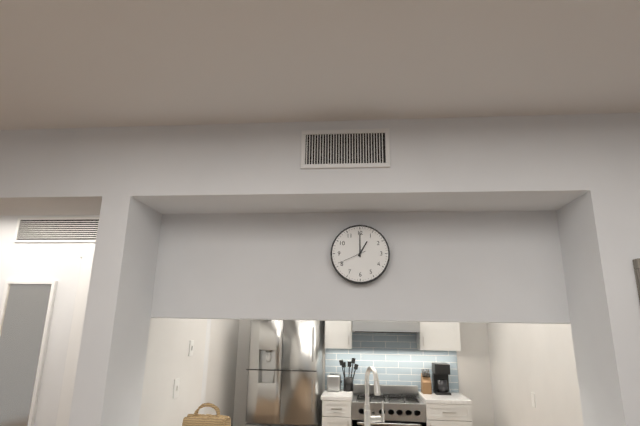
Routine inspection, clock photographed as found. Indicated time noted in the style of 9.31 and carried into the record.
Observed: 1.00
